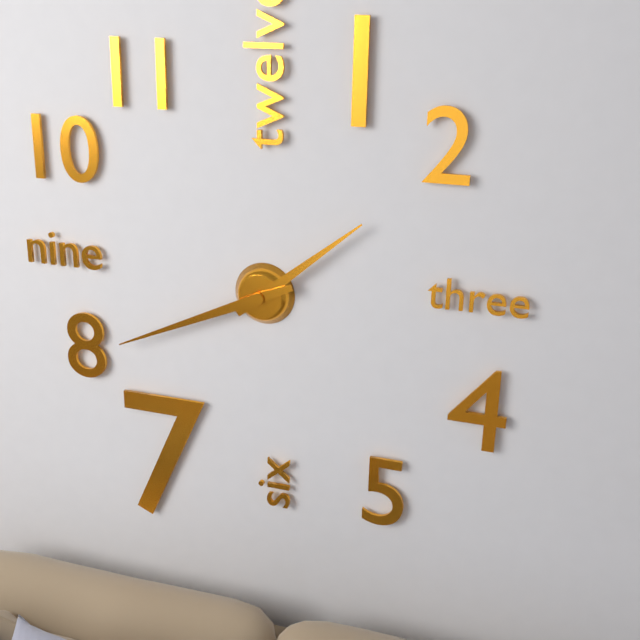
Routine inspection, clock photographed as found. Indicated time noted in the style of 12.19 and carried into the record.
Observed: 1.41
